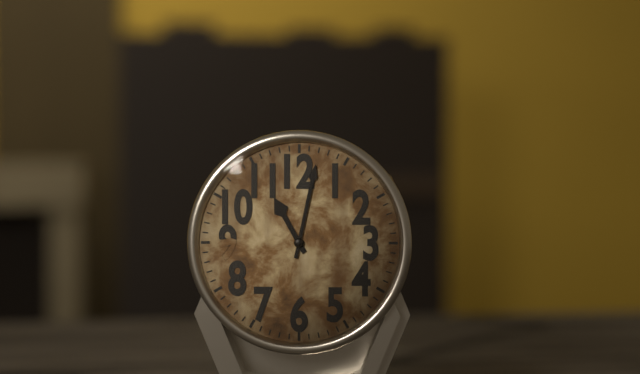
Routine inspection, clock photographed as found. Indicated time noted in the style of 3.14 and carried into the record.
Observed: 11.02
